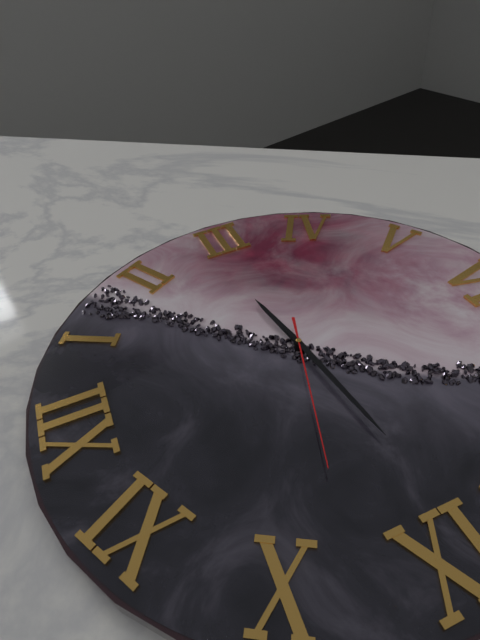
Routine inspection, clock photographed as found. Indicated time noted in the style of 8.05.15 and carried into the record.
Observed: 2.44.48
